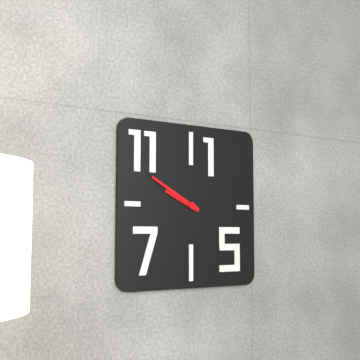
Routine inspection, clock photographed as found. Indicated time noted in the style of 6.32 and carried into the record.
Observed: 9.50
